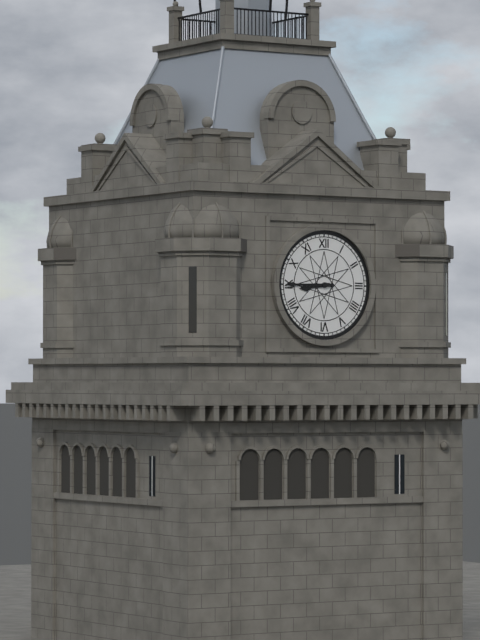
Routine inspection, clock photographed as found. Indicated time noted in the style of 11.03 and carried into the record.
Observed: 8.45
